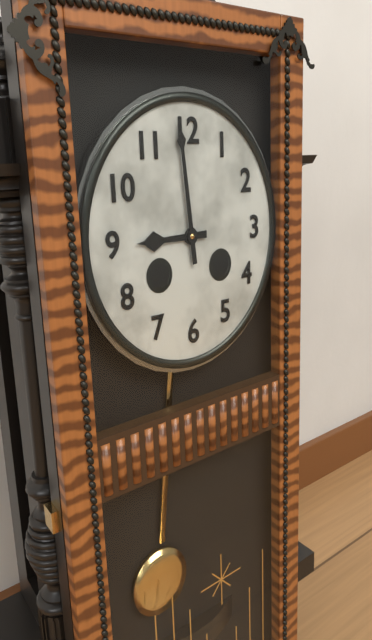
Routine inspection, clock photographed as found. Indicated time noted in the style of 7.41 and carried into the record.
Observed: 8.59
